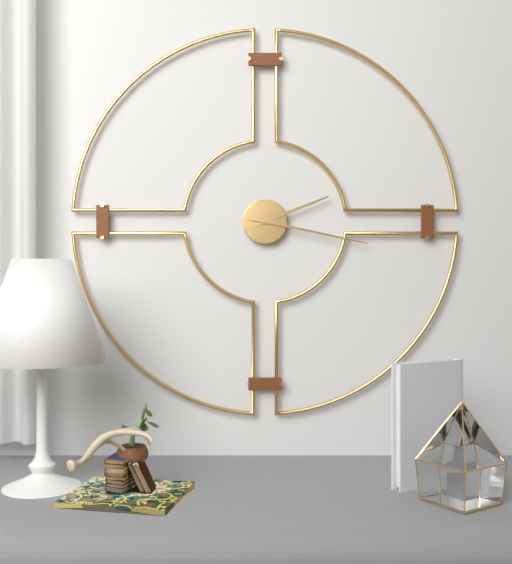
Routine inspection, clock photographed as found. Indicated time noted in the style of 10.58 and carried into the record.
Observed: 2.17
